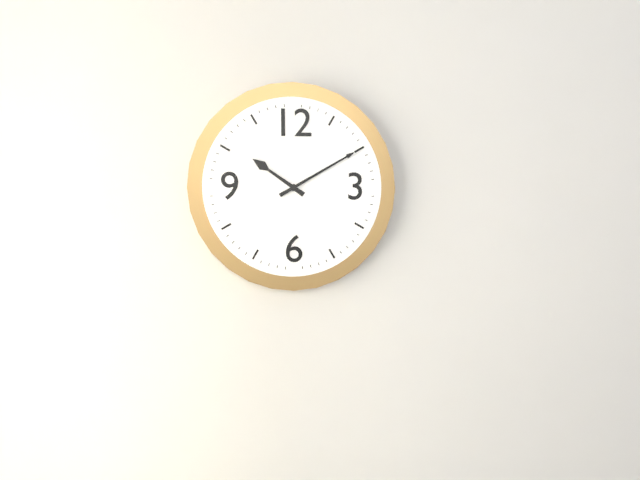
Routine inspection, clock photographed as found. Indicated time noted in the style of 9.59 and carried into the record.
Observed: 10.10
